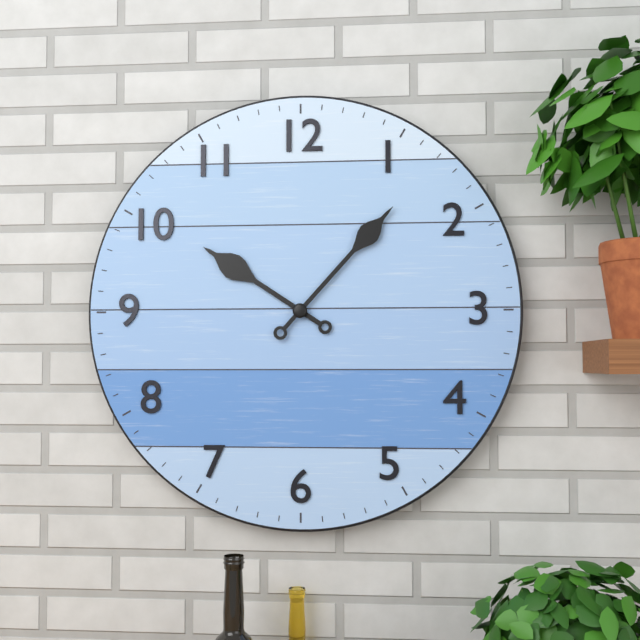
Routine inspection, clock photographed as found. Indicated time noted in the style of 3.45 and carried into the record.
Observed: 10.07
